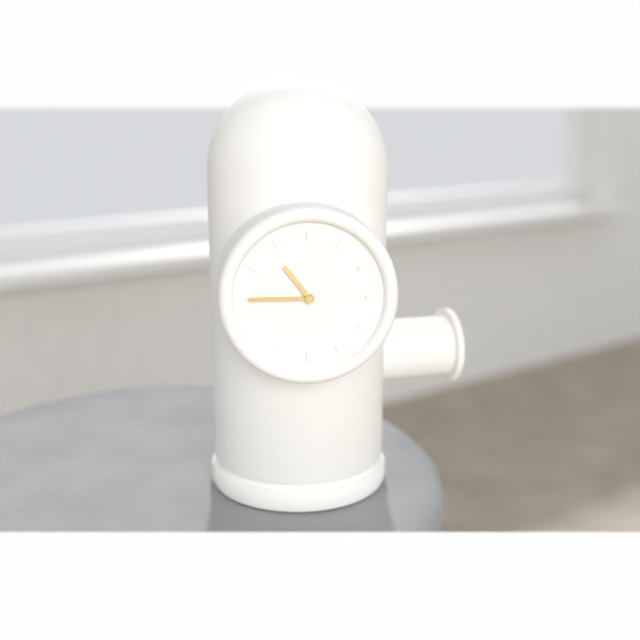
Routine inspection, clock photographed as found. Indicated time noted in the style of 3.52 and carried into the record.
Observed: 10.45
